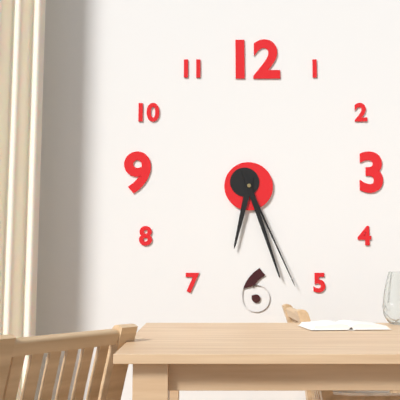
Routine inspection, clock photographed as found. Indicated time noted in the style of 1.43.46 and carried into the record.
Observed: 6.27.26
